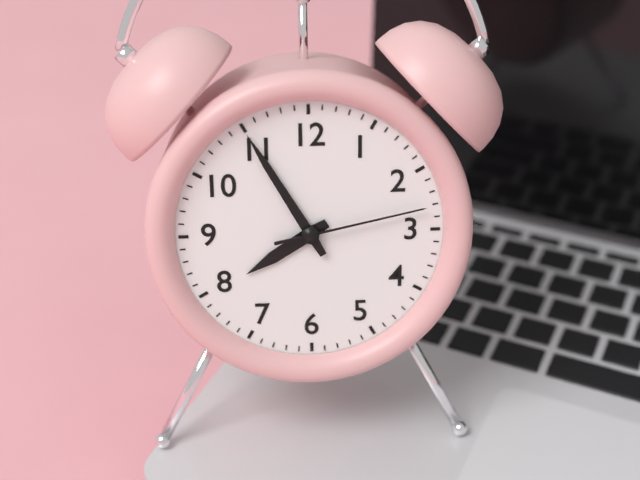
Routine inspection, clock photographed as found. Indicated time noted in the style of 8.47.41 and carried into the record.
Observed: 7.55.13
